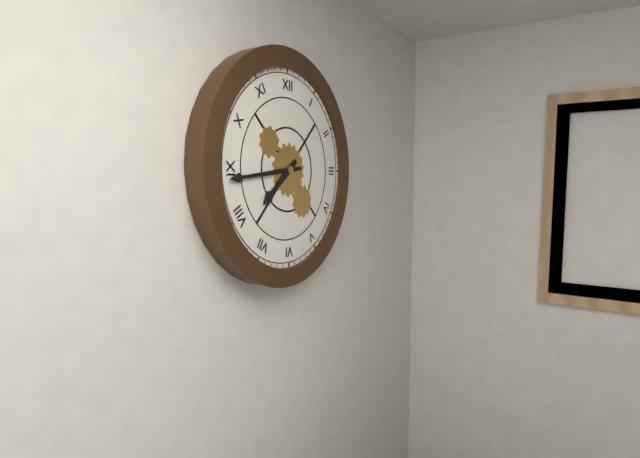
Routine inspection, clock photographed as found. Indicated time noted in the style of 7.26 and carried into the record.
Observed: 7.44
